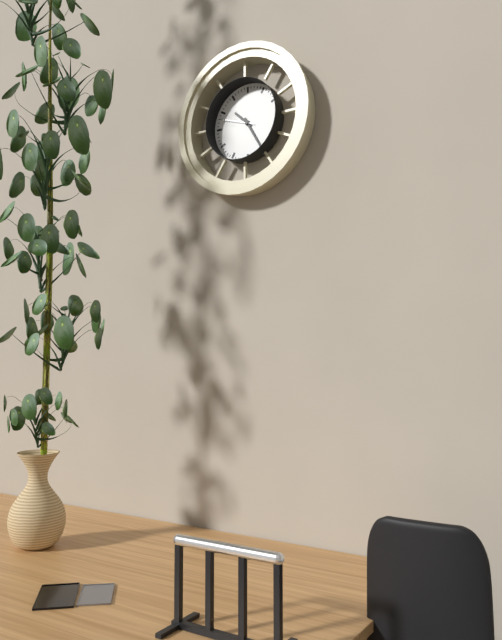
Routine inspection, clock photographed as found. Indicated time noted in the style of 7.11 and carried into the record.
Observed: 10.25
